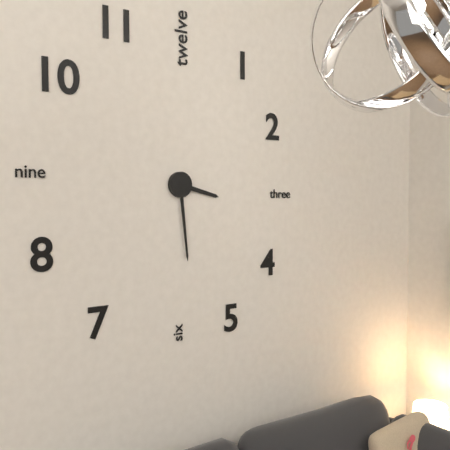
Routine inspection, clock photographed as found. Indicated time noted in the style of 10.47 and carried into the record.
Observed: 3.29
